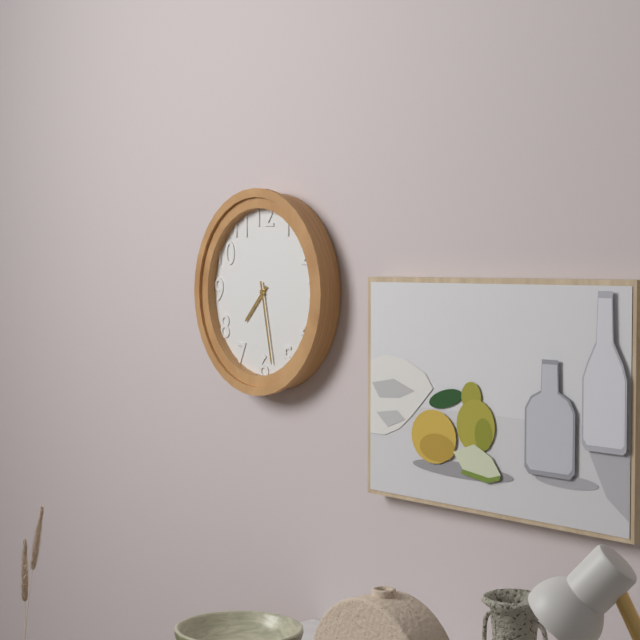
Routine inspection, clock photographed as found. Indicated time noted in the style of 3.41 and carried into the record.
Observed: 7.28
